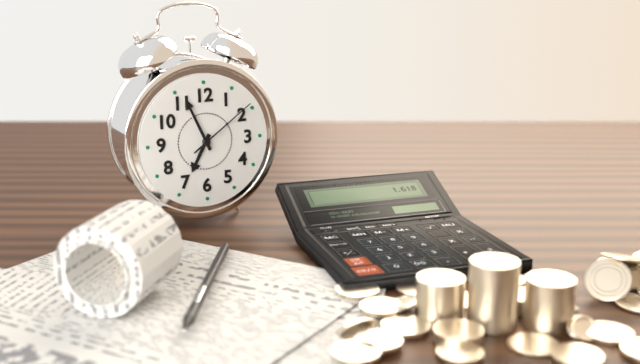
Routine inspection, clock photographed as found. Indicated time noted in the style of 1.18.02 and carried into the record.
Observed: 6.56.09
